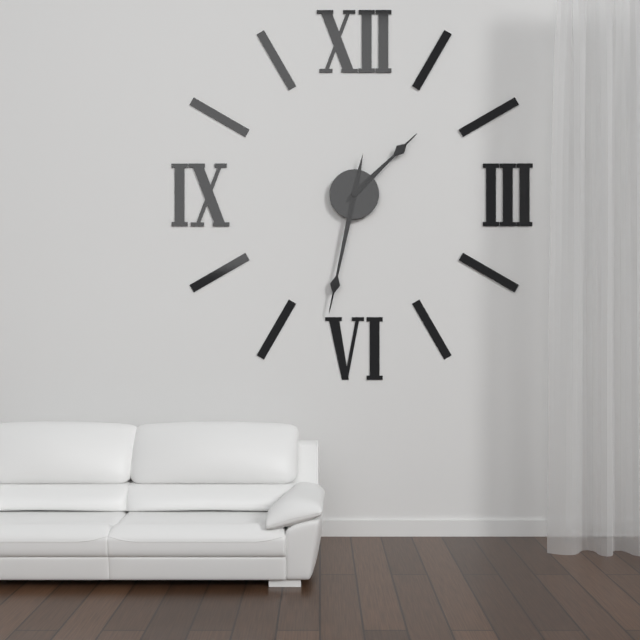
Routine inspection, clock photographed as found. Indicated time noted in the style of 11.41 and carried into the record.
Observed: 1.32
